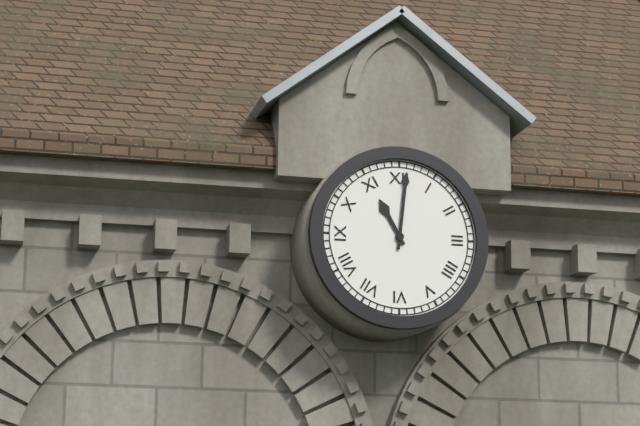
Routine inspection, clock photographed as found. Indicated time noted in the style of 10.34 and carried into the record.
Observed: 11.01
